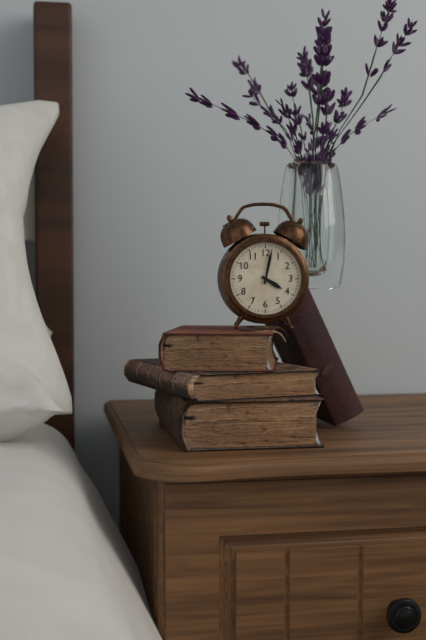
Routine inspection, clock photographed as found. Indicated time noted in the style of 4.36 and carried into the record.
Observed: 4.02
